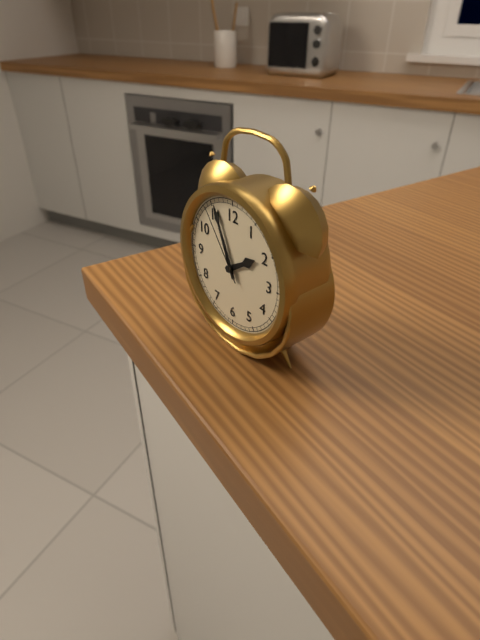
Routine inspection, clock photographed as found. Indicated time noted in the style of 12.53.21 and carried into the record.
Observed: 1.56.54
